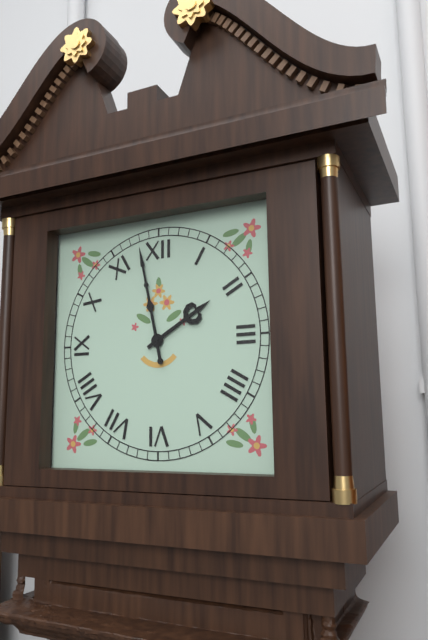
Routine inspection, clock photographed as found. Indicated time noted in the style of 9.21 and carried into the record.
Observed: 1.58
